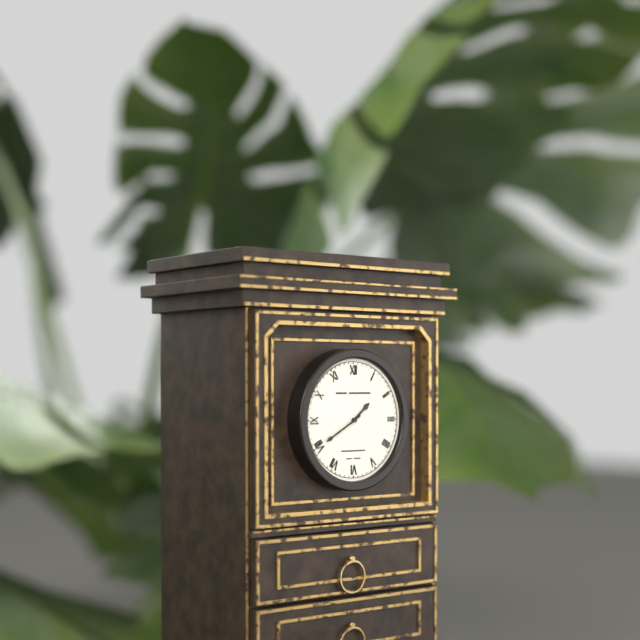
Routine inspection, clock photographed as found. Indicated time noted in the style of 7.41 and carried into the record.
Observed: 1.40
